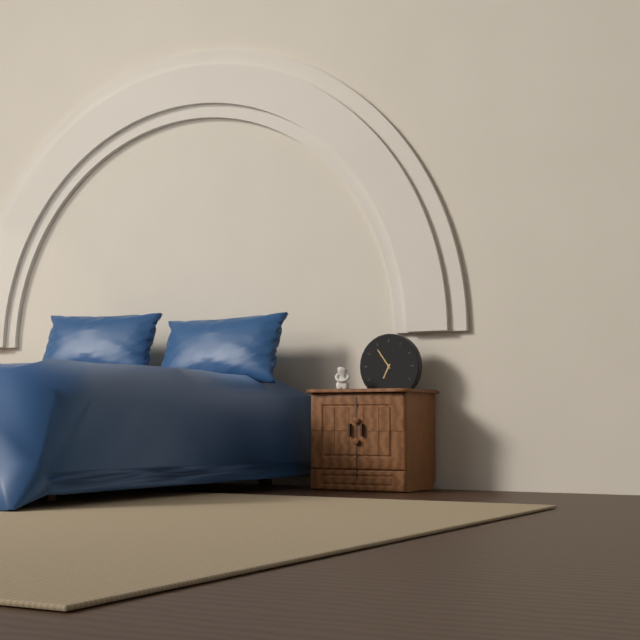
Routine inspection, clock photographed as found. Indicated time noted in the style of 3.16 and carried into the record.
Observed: 6.54
